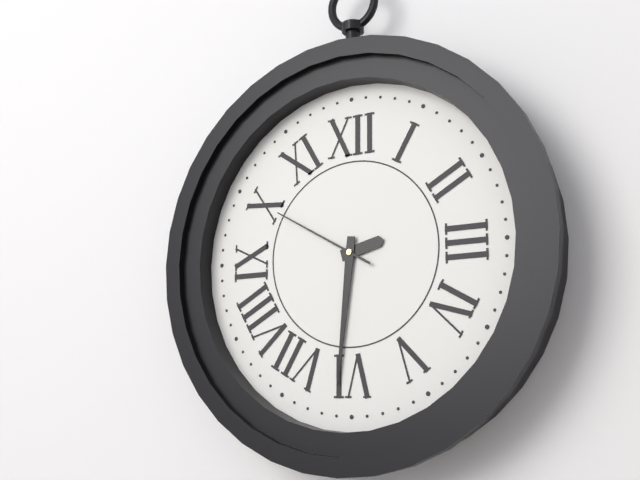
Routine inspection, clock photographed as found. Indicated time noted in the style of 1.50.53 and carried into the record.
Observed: 2.31.50
